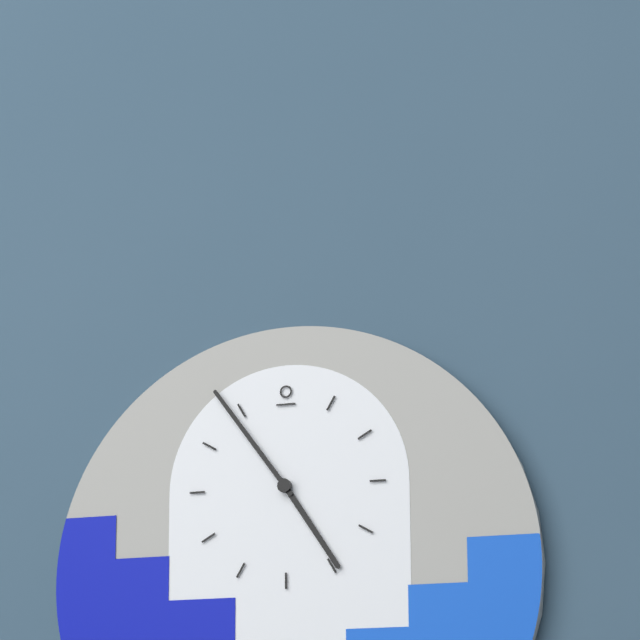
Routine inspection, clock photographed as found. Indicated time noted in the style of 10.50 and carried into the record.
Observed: 4.54
